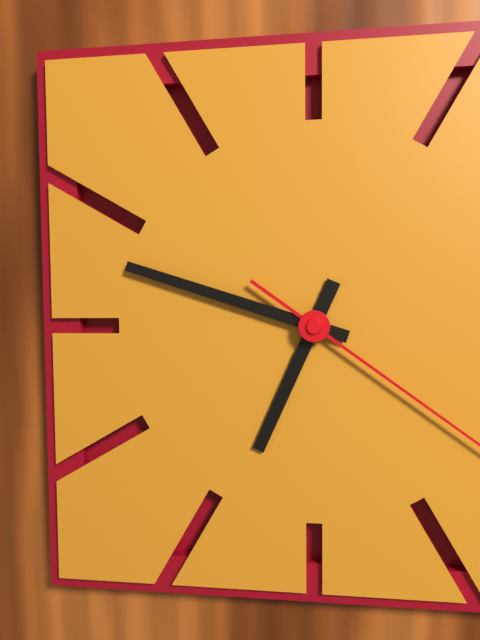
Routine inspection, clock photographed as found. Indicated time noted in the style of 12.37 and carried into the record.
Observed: 6.48
